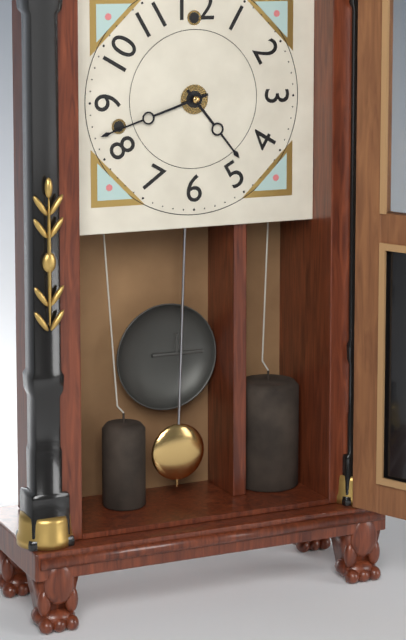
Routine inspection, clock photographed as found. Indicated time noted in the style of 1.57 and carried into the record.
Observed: 4.42
